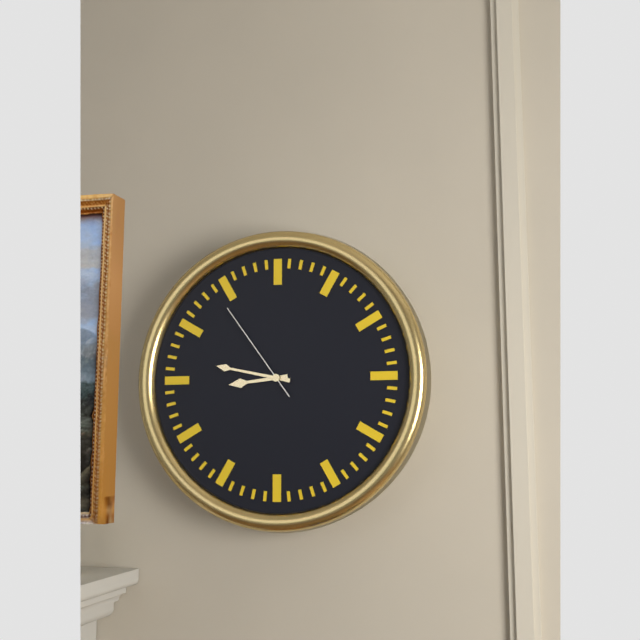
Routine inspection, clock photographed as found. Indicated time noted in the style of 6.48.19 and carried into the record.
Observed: 8.47.54
